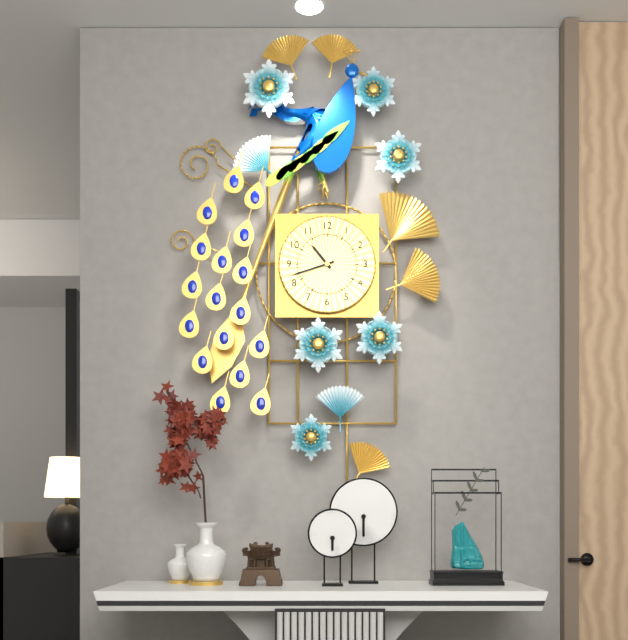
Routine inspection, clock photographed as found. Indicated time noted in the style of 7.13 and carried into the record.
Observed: 10.42
